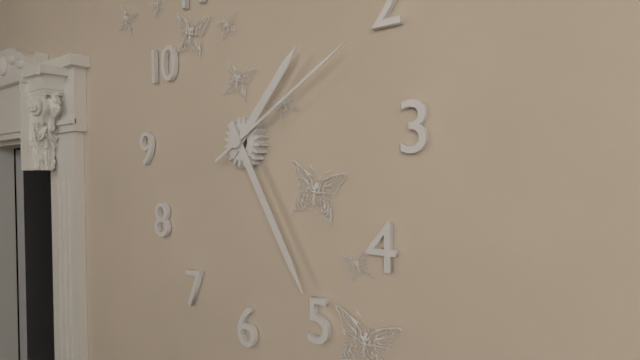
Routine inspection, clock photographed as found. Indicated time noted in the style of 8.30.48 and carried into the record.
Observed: 1.25.10
